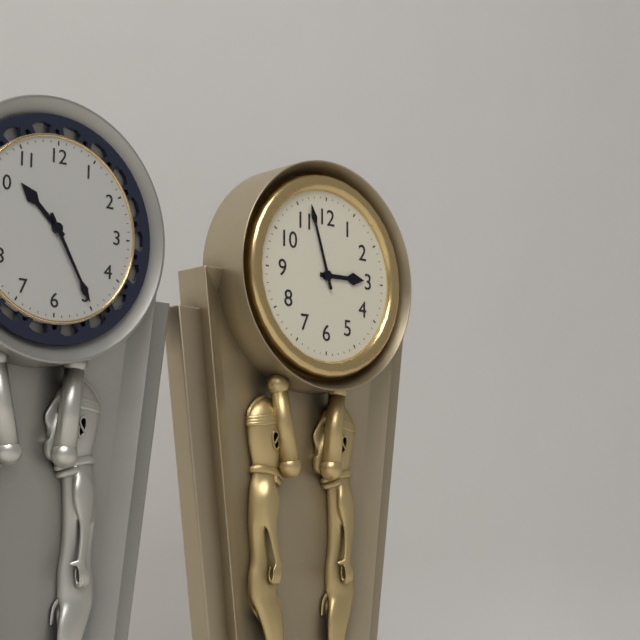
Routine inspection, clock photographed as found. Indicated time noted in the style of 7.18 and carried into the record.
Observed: 2.57
